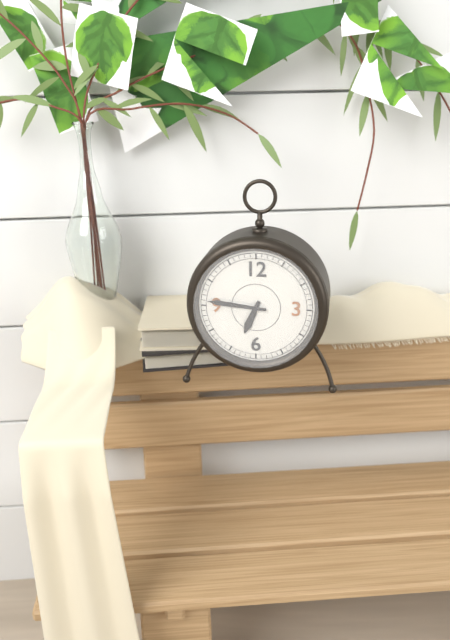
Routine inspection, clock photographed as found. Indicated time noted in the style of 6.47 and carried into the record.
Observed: 6.46
